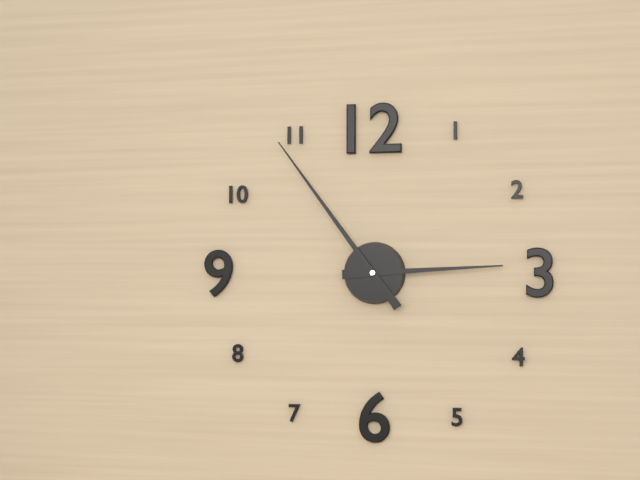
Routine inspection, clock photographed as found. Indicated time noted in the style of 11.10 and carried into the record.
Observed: 2.54
